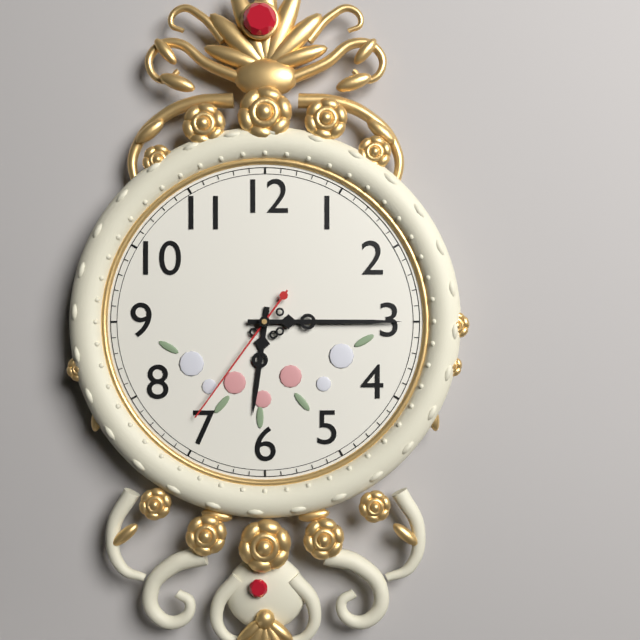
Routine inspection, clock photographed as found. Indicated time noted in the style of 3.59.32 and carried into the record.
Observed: 6.15.36
